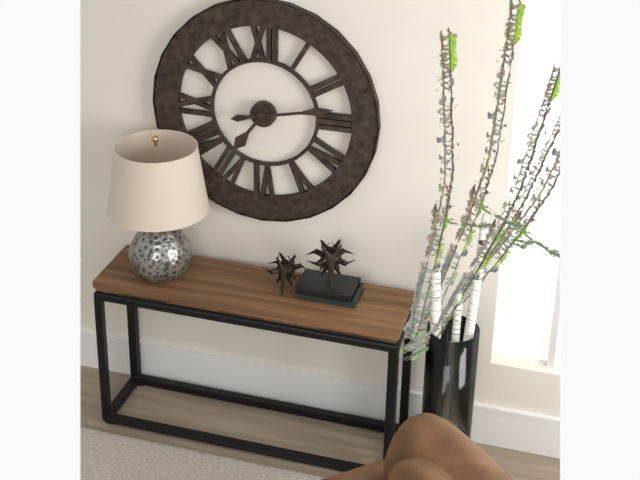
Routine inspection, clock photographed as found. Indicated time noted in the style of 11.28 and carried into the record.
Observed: 7.13
